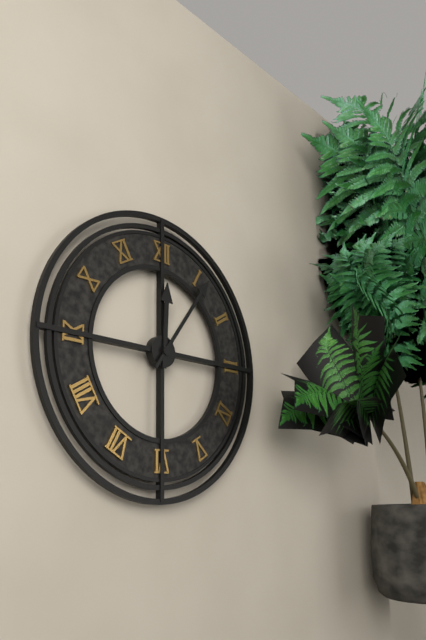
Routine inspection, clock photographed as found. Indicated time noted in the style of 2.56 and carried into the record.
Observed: 12.06
